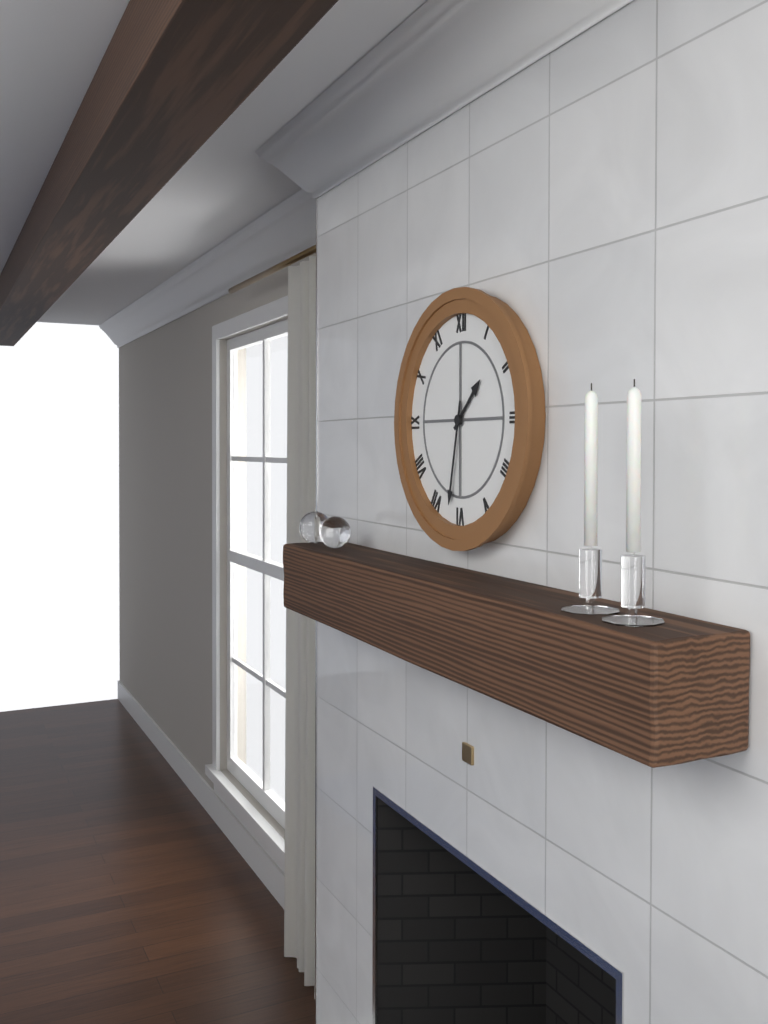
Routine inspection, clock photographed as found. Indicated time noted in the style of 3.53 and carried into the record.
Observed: 1.32
